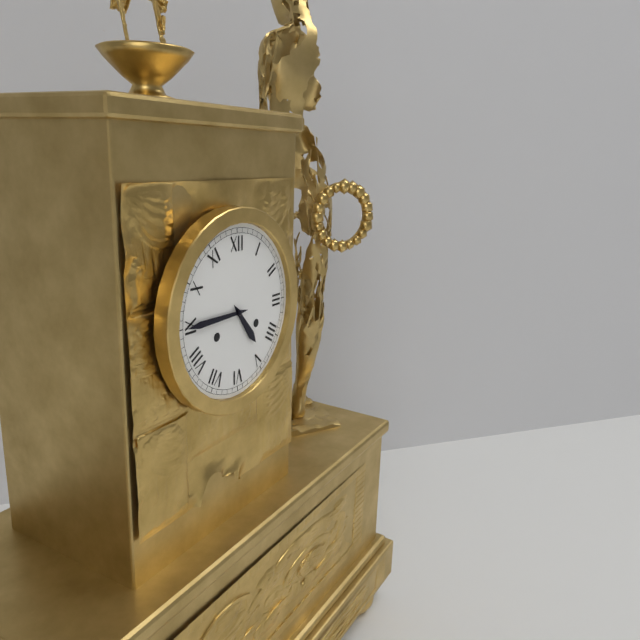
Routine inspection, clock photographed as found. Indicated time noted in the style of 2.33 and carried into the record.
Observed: 4.45
